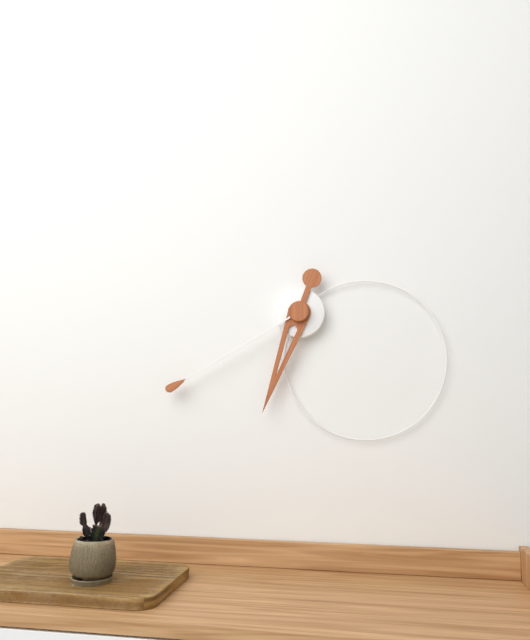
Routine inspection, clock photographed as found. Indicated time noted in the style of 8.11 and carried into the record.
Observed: 6.40
